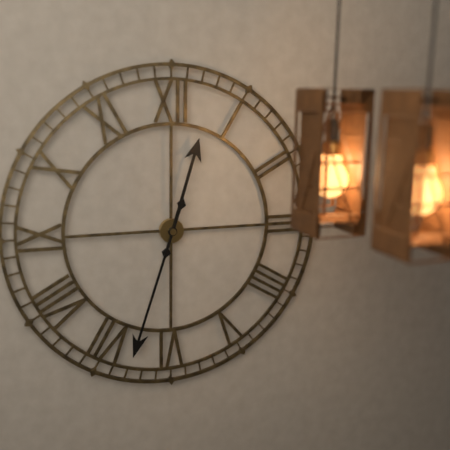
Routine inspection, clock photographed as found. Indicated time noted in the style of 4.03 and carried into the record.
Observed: 12.33
